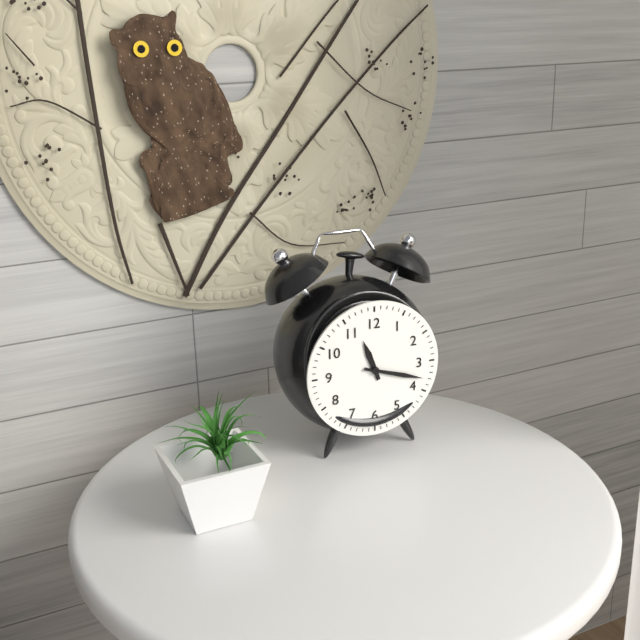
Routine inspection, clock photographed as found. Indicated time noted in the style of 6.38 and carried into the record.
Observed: 11.18
